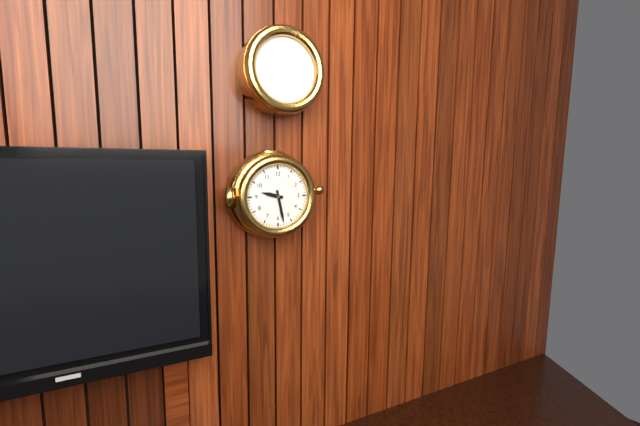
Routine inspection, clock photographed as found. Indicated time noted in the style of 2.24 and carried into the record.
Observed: 9.28
